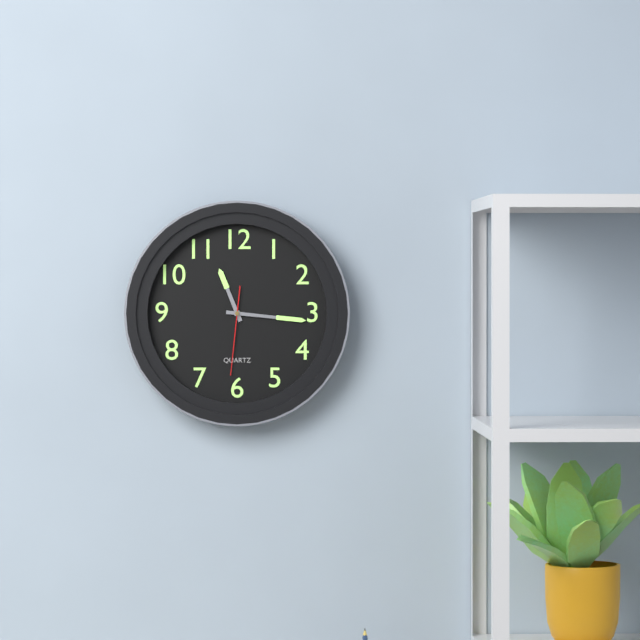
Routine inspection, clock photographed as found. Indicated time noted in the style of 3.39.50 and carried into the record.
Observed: 11.16.31
